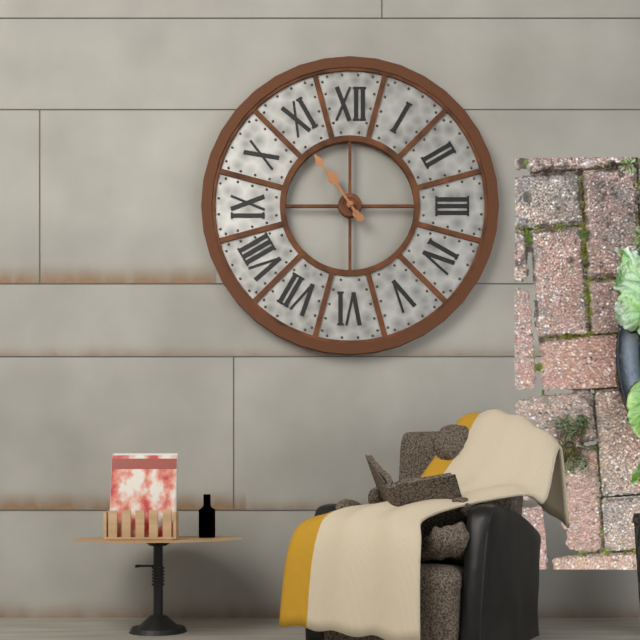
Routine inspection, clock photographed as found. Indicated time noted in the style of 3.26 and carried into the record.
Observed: 10.54
